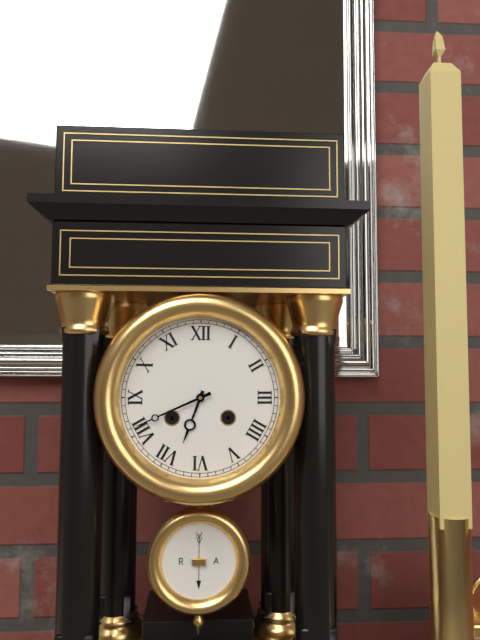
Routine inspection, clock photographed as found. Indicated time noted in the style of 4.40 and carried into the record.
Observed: 6.41
